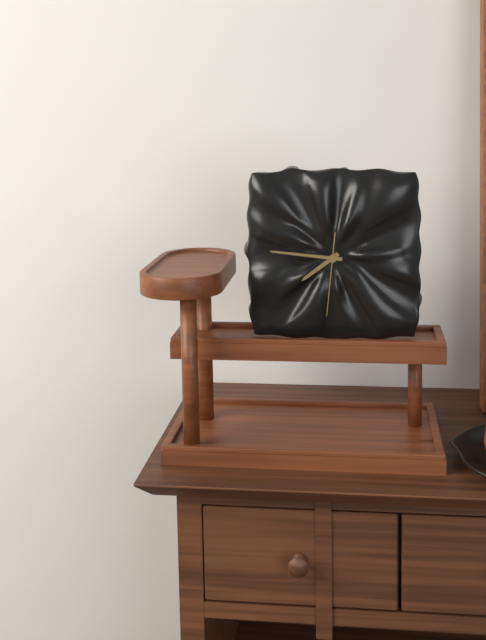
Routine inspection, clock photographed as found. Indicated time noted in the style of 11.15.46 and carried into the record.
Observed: 7.46.31
